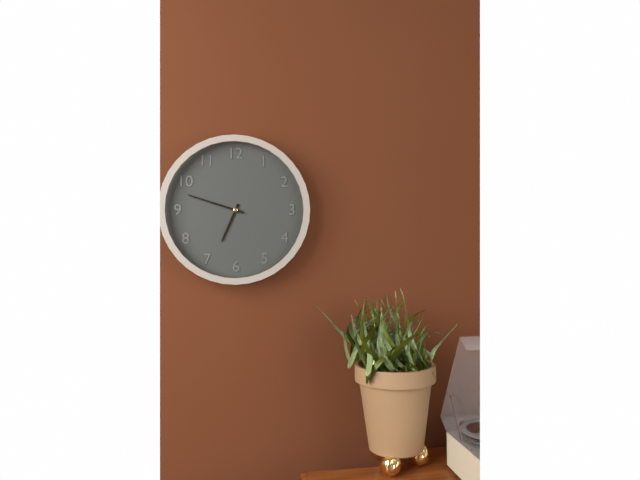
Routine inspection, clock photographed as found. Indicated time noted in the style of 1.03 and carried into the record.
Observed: 6.48
